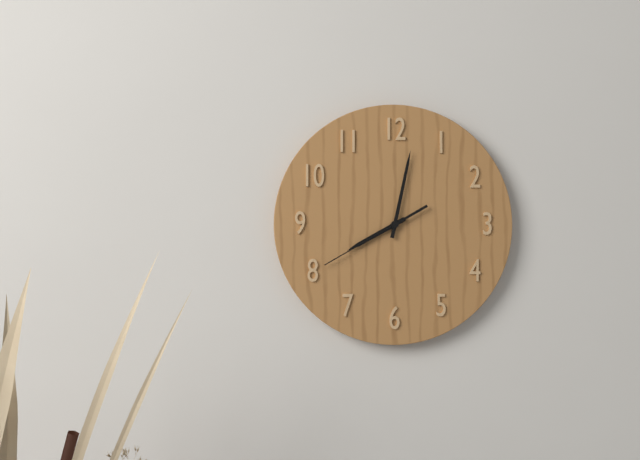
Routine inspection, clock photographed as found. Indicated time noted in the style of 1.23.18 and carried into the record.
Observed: 8.02.40
